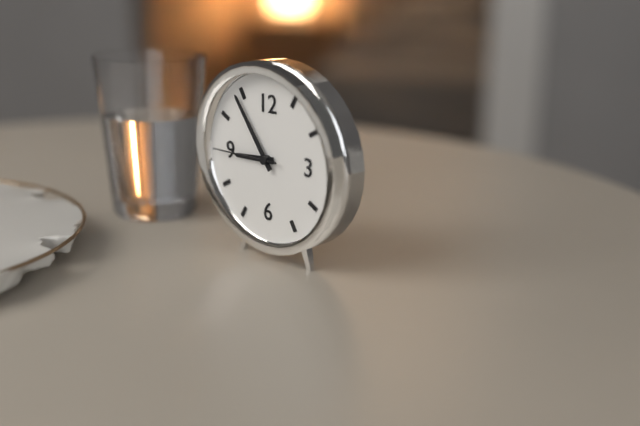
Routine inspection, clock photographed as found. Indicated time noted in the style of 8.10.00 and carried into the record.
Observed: 8.54.45
